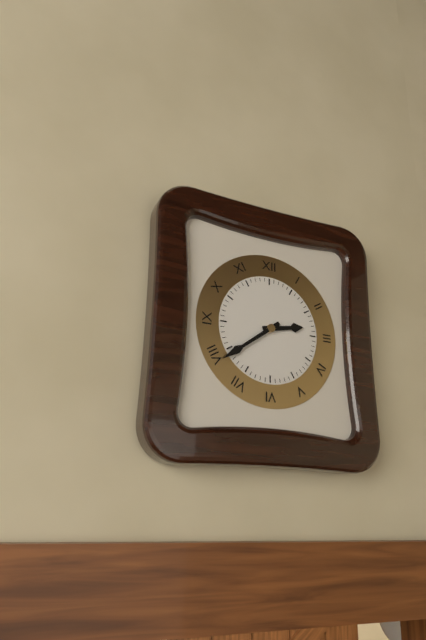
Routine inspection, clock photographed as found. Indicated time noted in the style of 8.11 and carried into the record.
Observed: 2.39
